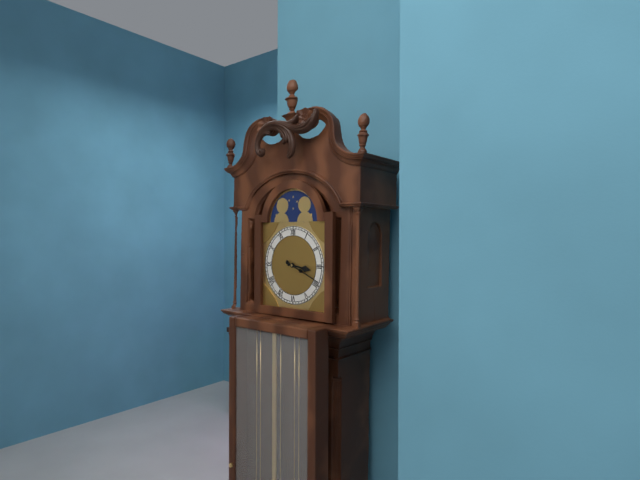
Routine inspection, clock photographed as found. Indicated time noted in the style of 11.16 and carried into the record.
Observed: 3.19
